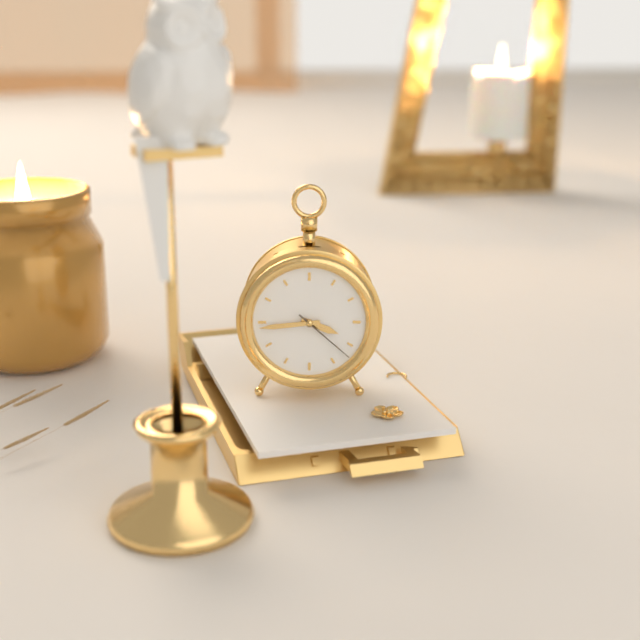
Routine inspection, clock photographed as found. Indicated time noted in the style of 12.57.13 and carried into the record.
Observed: 3.44.22
